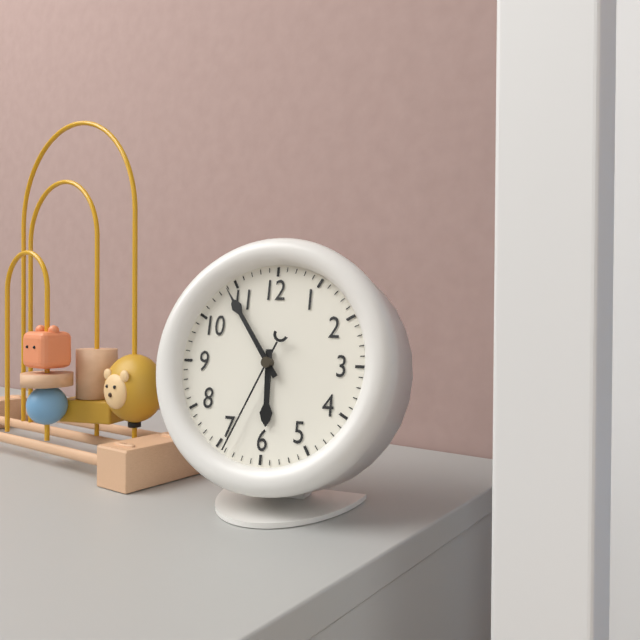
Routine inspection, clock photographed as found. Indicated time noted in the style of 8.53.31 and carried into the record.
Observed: 5.54.34
